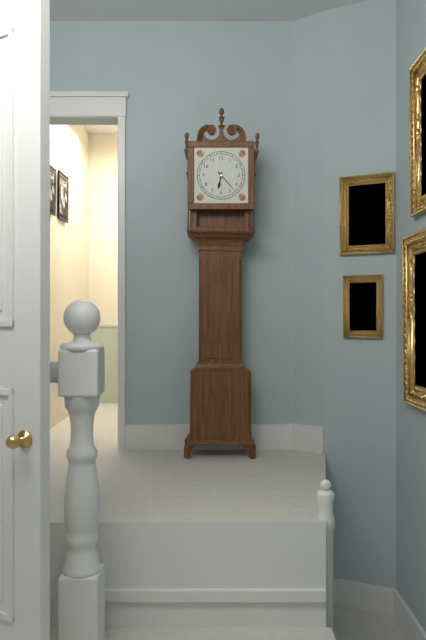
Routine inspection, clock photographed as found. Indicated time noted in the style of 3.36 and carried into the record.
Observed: 6.23
